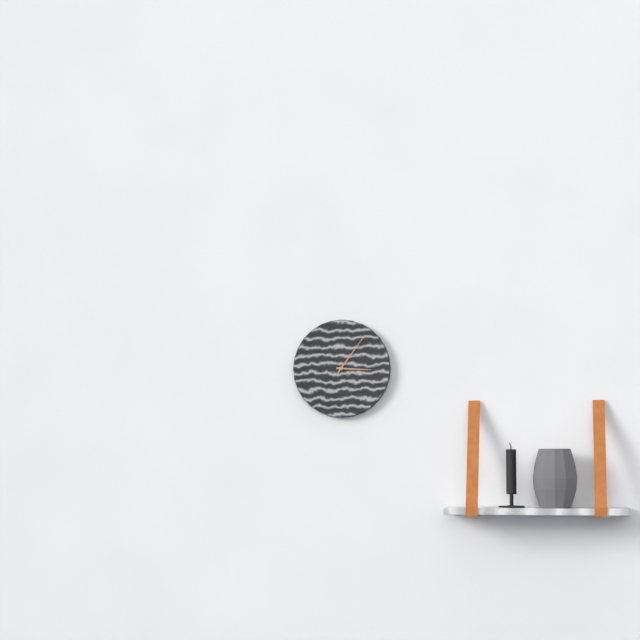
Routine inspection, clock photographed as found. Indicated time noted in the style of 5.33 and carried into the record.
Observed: 3.06
